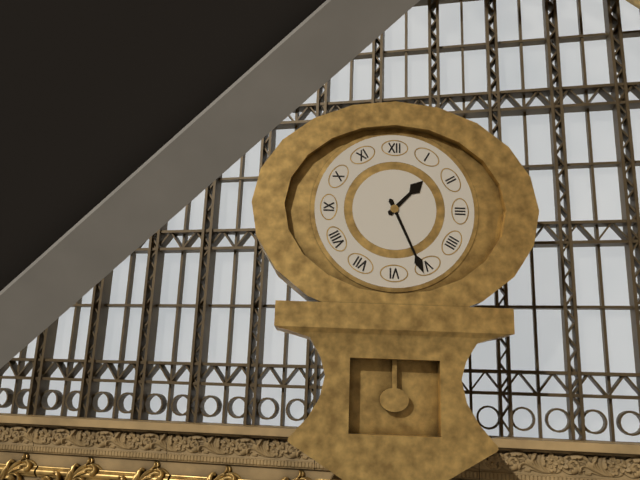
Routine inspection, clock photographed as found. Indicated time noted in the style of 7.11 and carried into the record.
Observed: 1.26
